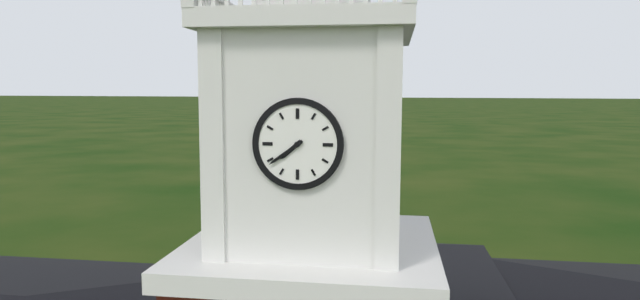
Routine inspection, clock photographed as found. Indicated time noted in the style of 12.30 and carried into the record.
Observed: 7.39
